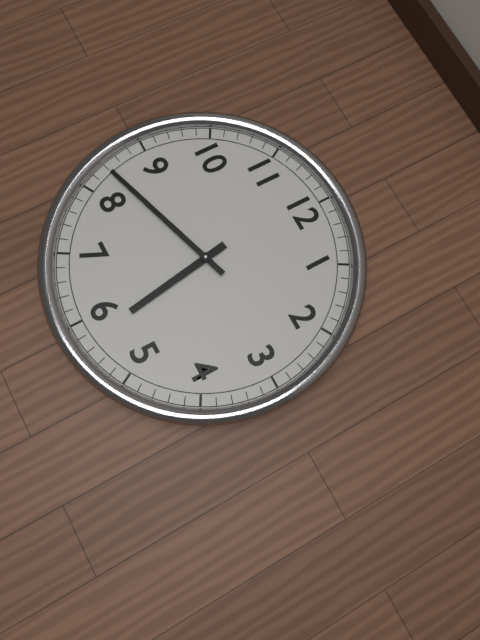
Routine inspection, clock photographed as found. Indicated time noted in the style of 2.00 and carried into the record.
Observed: 5.42
